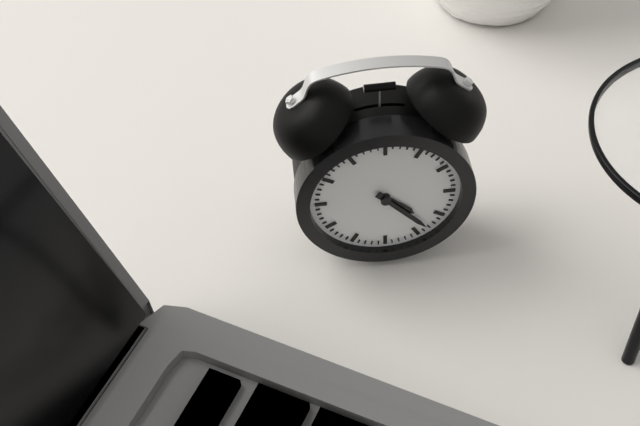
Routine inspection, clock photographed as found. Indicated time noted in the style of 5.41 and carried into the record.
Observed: 4.23
